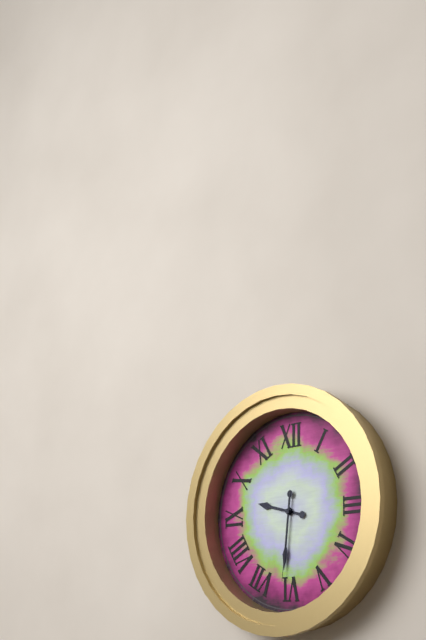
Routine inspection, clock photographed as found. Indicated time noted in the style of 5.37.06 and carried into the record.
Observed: 9.31.31
